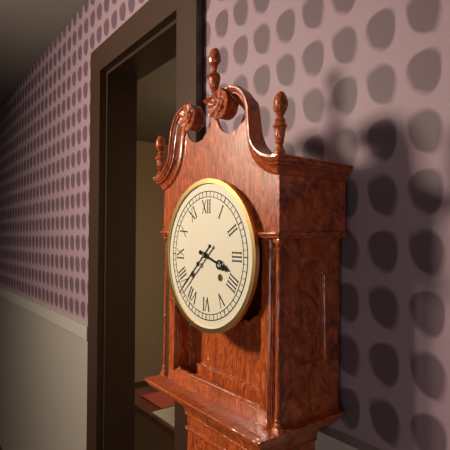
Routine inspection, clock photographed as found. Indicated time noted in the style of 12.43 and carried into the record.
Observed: 3.38
